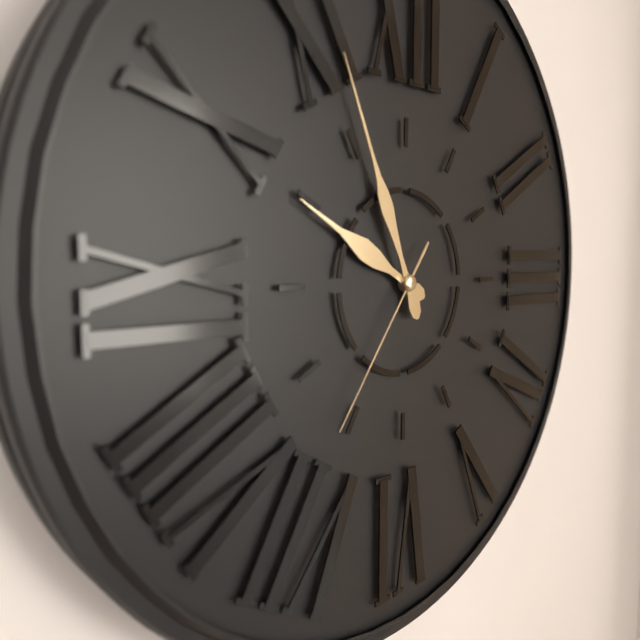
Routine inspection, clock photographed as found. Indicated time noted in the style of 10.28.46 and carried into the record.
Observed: 9.56.36
